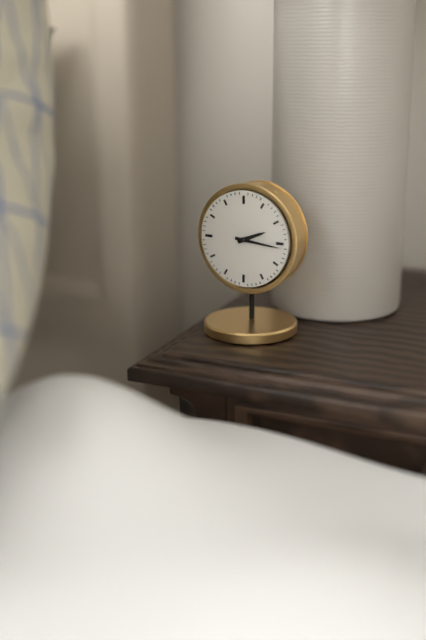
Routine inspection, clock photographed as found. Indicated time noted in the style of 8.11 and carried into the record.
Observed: 2.16
